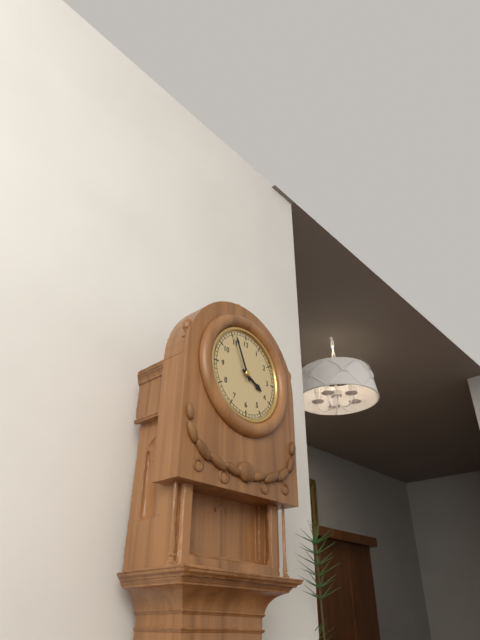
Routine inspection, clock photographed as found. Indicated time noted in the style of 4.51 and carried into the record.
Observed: 3.56
